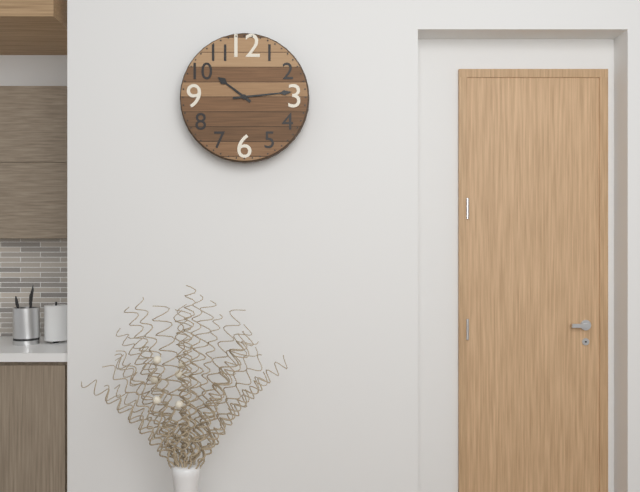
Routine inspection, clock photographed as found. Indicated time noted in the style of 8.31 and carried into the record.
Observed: 10.14
